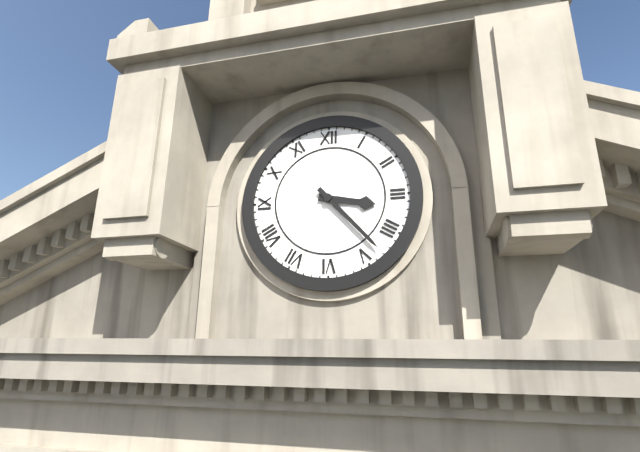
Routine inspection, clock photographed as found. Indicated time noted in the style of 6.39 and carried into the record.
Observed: 3.23
